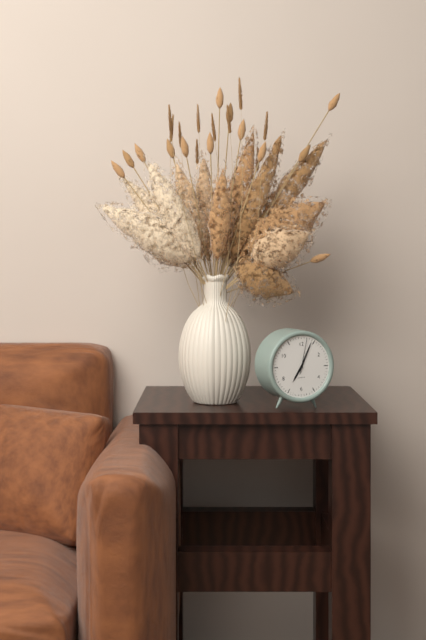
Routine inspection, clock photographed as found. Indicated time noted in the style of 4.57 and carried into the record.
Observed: 7.04
